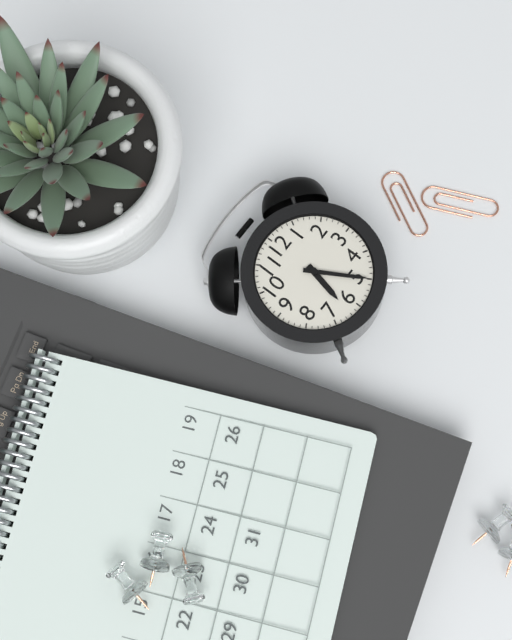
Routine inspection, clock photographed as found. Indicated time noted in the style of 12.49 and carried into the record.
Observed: 6.25
